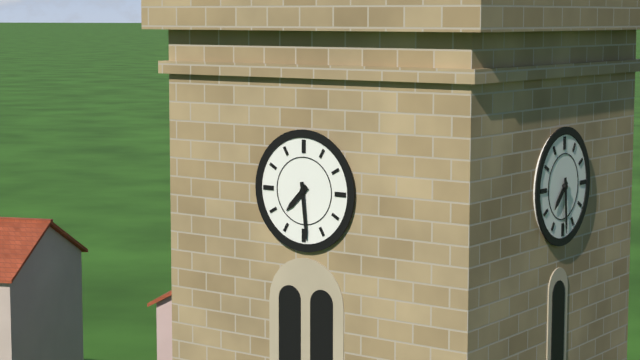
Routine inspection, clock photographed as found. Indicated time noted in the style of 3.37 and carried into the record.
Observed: 7.29
